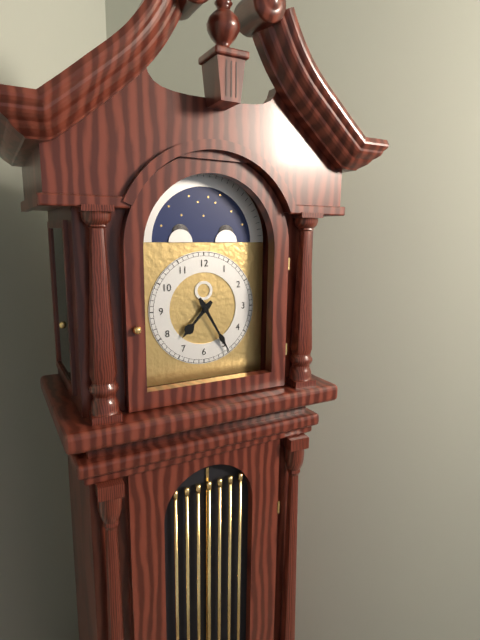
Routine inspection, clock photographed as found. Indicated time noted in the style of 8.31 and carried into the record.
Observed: 7.25
